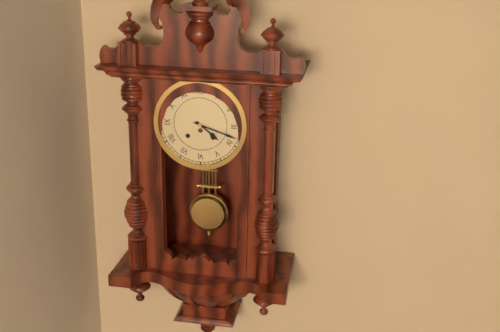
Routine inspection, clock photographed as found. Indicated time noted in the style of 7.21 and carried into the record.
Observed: 4.18
